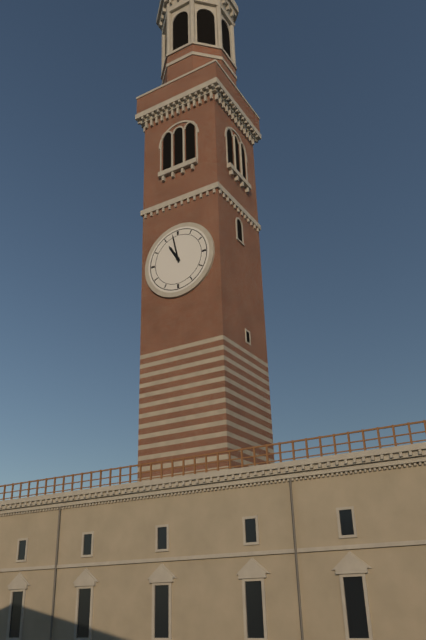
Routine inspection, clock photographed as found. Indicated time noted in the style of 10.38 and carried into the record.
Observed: 10.58
